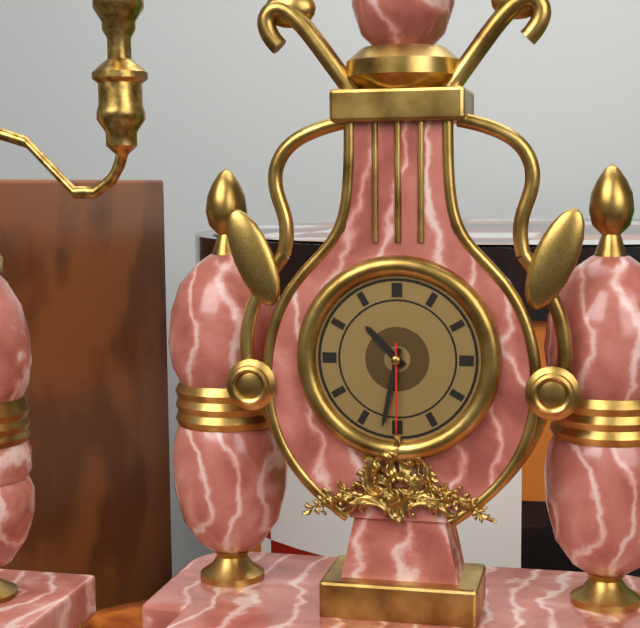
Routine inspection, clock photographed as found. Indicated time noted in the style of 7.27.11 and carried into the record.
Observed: 10.32.30
